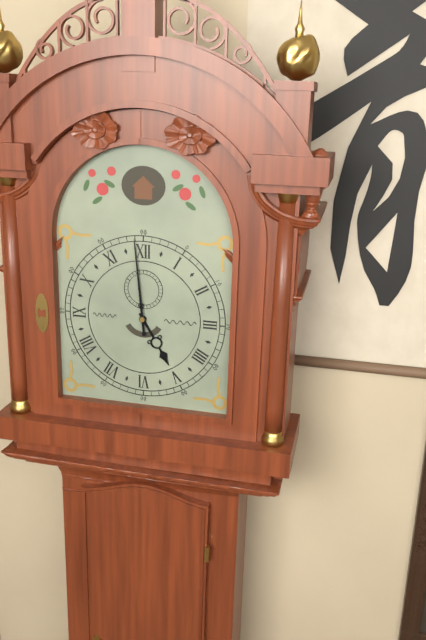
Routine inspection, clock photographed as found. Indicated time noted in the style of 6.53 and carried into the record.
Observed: 4.59
